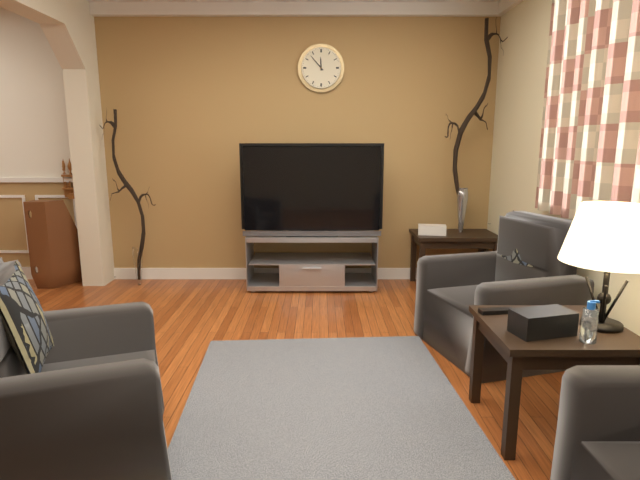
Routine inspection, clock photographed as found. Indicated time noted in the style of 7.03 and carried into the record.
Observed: 11.53
